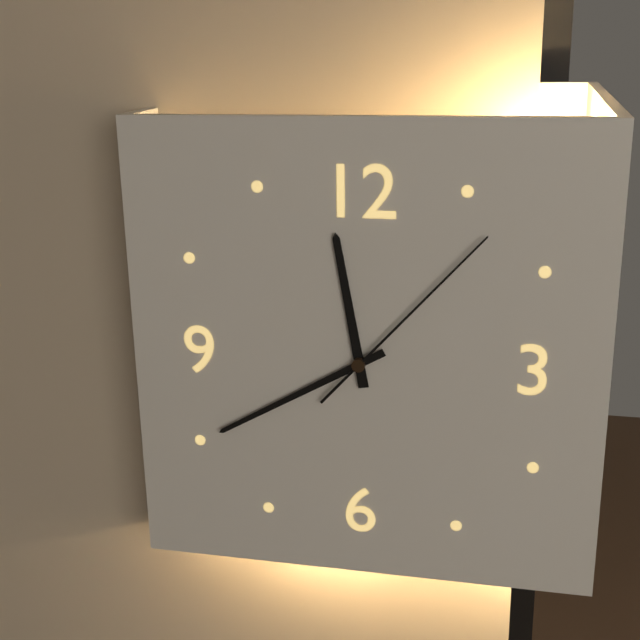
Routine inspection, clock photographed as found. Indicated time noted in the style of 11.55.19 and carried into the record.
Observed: 11.40.07
